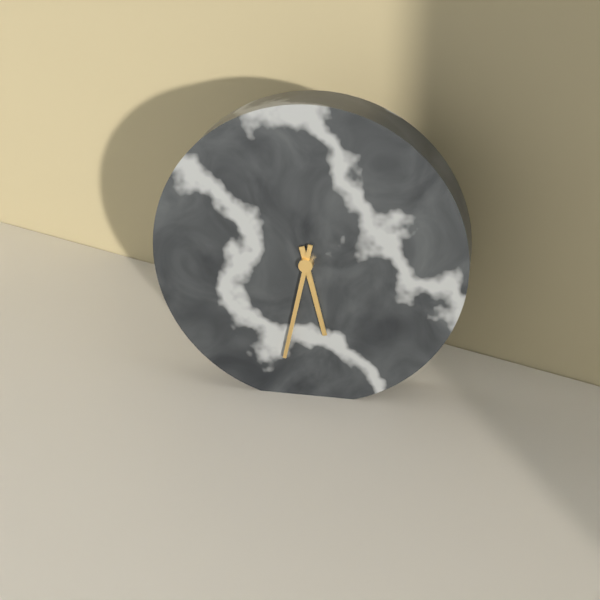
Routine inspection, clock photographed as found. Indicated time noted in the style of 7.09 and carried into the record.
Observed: 5.32
